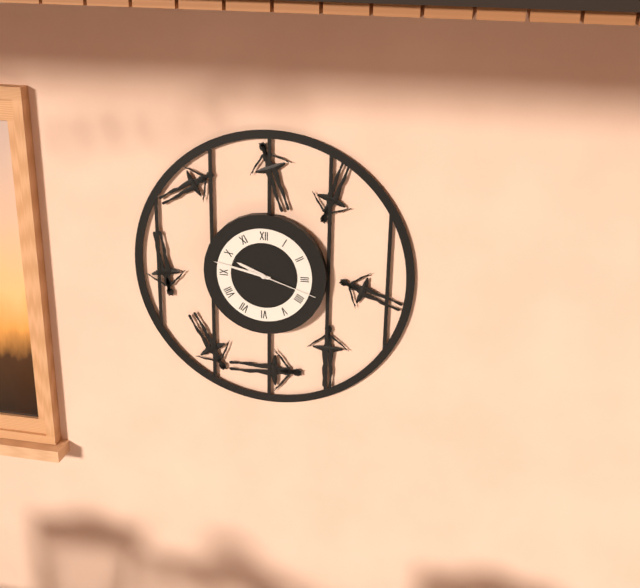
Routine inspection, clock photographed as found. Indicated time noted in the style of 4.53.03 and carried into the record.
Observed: 9.47.18
